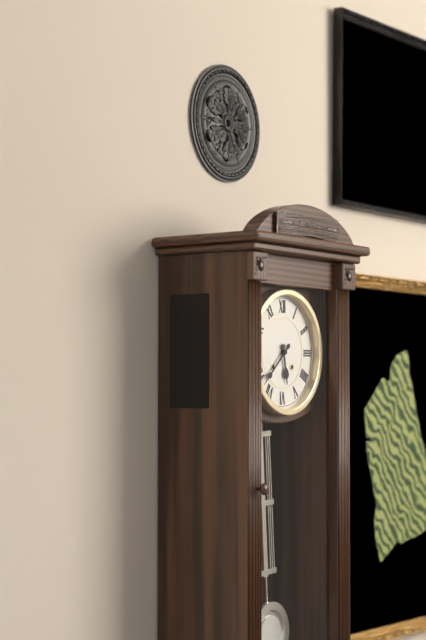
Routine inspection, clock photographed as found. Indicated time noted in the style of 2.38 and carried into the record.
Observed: 5.38
